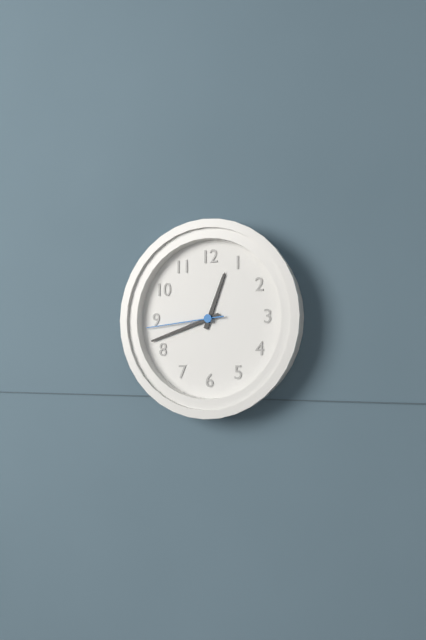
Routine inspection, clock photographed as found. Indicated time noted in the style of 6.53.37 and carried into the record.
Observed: 12.42.44
